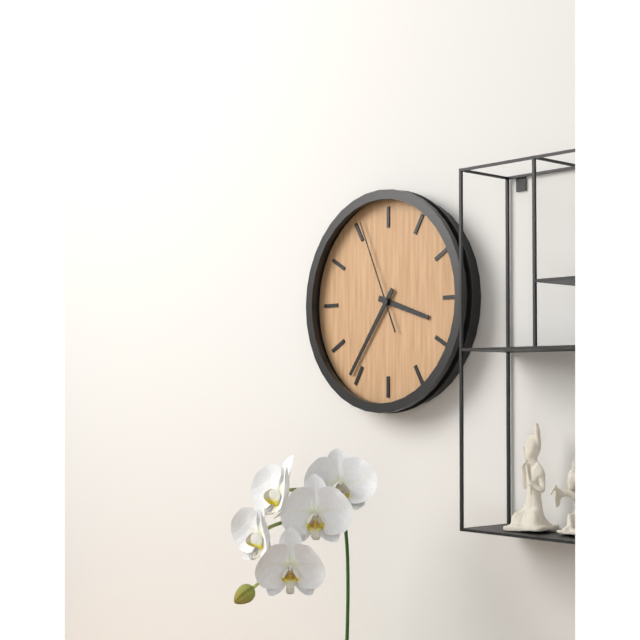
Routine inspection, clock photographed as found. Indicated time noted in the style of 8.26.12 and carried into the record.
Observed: 3.36.56
